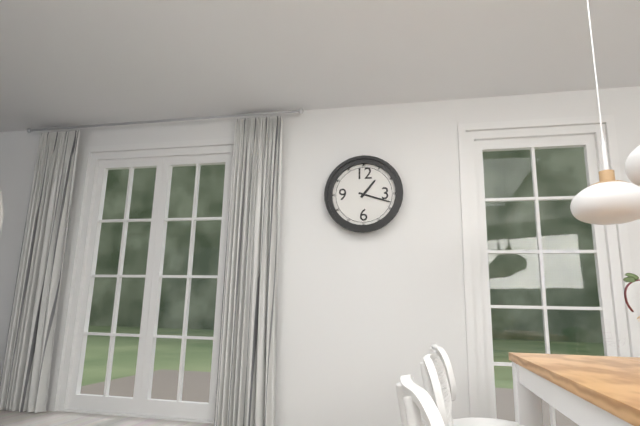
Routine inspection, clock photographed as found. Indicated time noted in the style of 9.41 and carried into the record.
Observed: 1.18
